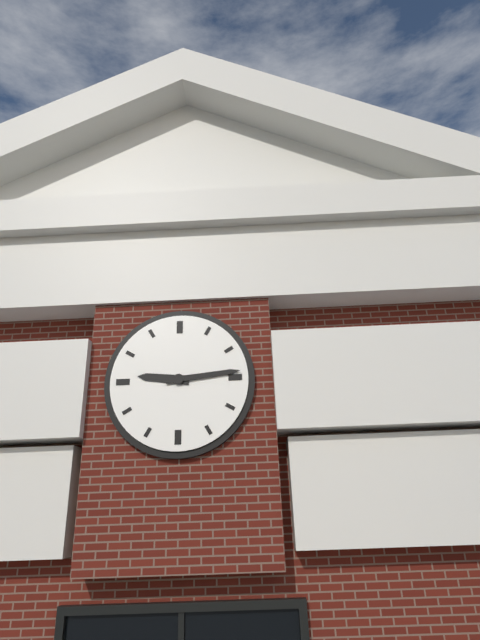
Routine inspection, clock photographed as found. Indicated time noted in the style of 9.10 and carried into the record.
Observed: 9.14
